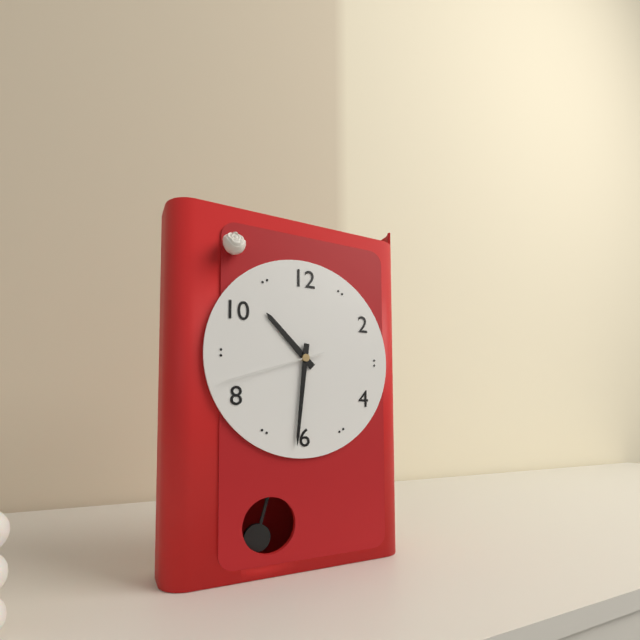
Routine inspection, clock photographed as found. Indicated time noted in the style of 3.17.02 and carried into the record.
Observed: 10.31.42
